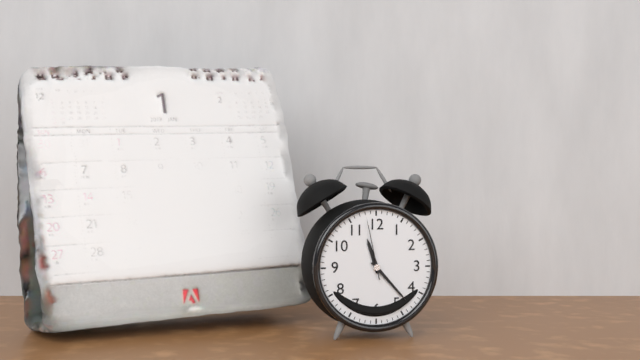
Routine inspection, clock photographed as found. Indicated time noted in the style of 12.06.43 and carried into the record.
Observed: 11.23.58
